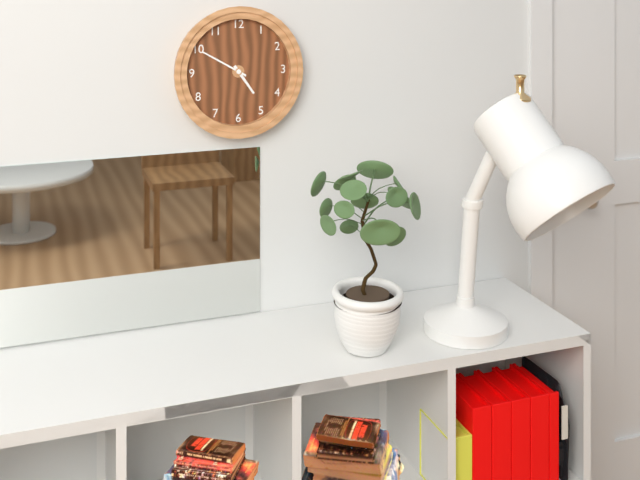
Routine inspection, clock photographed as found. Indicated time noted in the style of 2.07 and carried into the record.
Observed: 4.50
